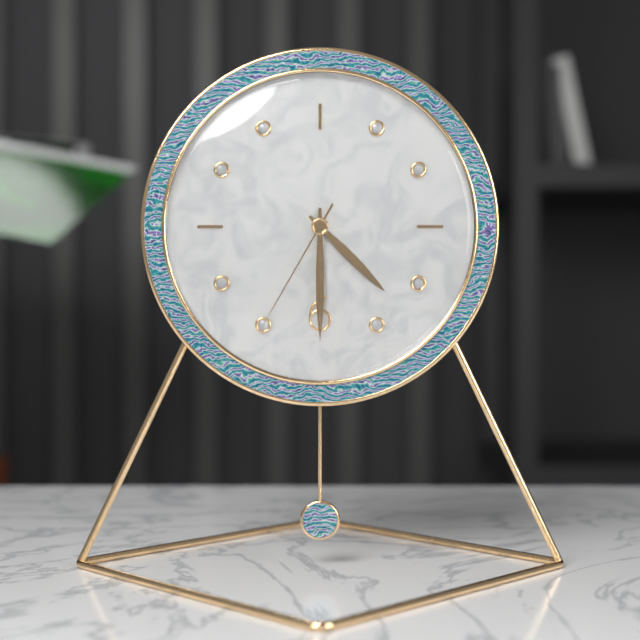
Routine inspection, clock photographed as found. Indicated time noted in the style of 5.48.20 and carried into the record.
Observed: 4.30.35
